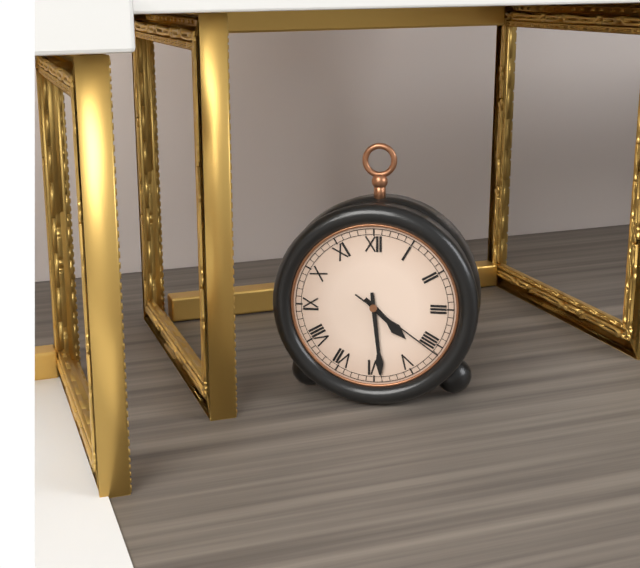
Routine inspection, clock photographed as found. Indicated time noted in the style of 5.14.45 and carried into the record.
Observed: 4.29.21
